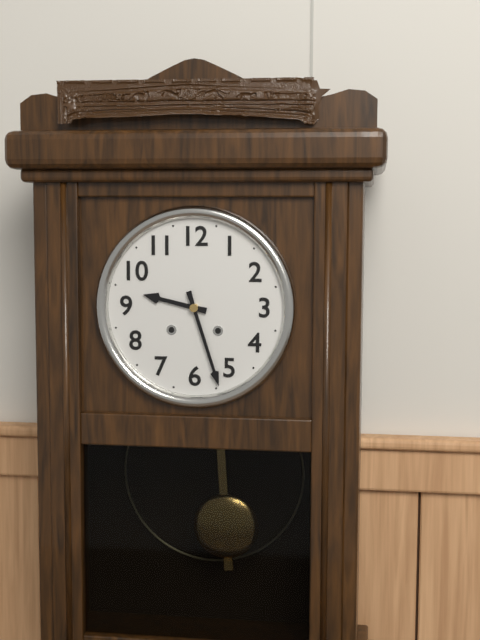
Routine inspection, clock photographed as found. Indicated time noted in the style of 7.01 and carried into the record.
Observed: 9.27
